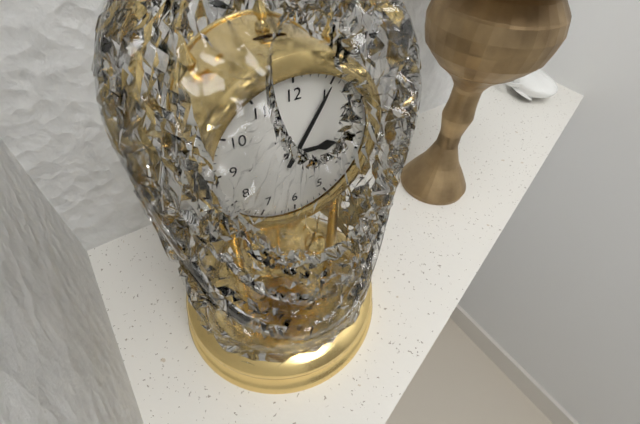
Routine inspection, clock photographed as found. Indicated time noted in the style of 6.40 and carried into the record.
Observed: 3.05
